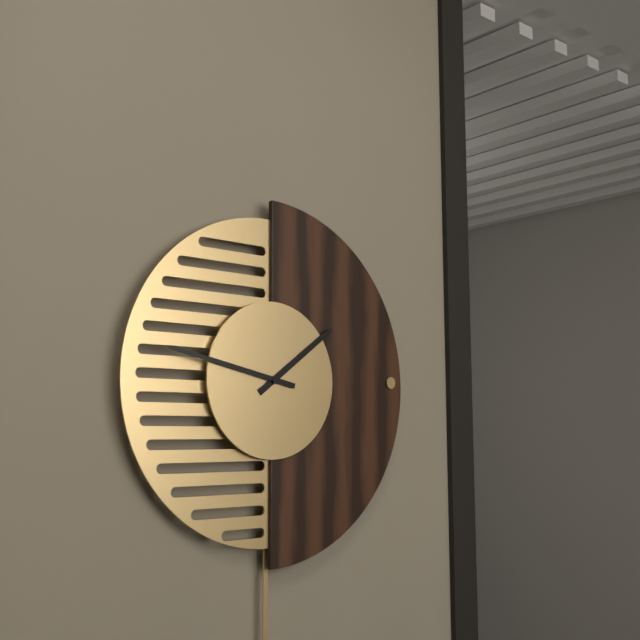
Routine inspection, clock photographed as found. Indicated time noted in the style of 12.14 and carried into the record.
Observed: 1.47
